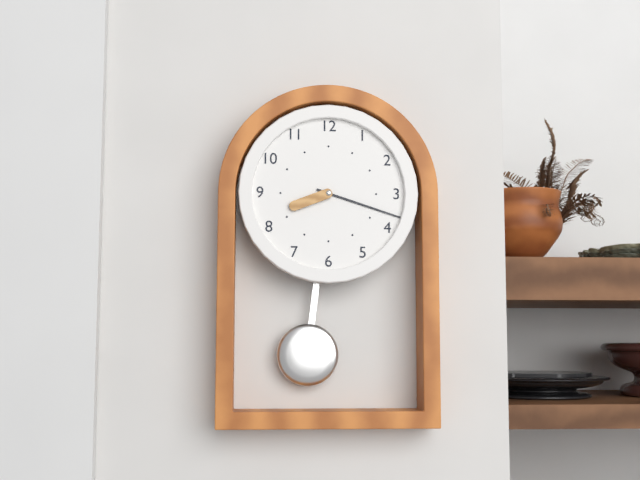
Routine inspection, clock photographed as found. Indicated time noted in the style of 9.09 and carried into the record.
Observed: 8.18
